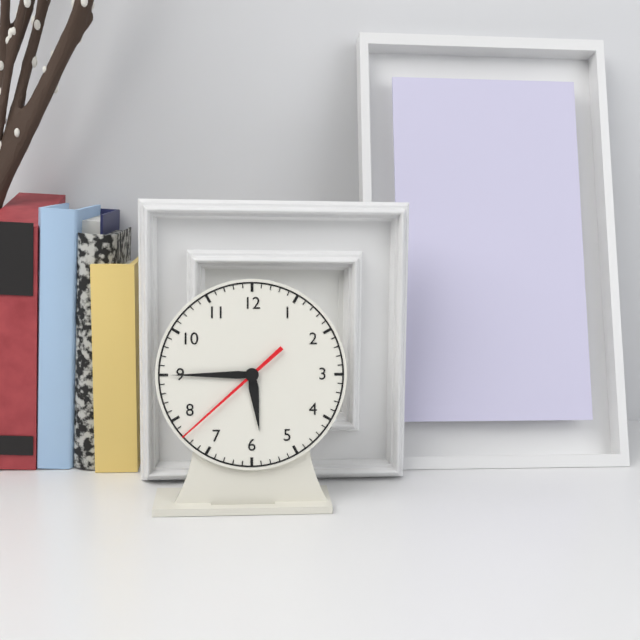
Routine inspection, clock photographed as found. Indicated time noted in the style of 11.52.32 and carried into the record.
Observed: 5.45.38
